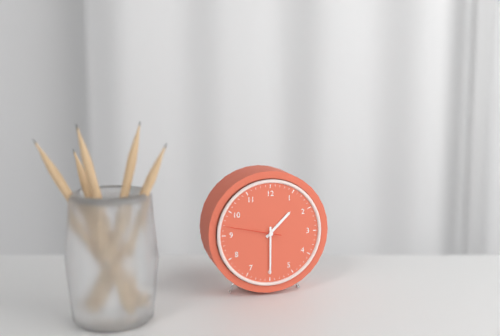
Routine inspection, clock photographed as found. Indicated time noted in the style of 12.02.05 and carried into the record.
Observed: 1.30.47
